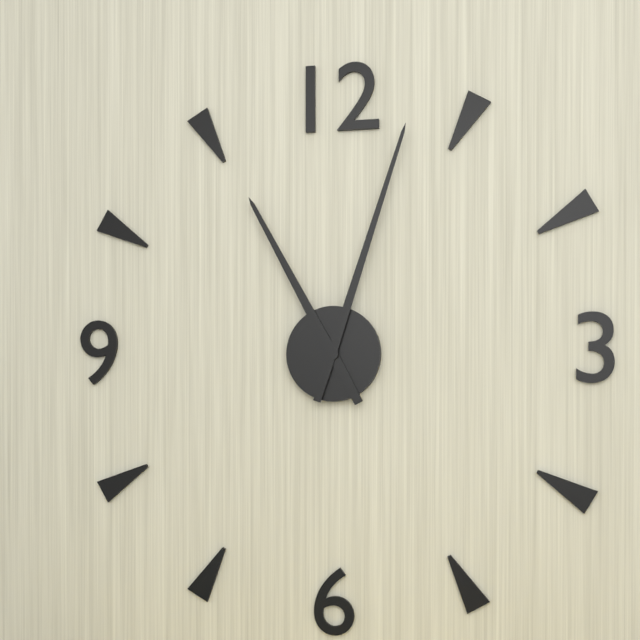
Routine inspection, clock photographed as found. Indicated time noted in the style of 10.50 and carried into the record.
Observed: 11.03
